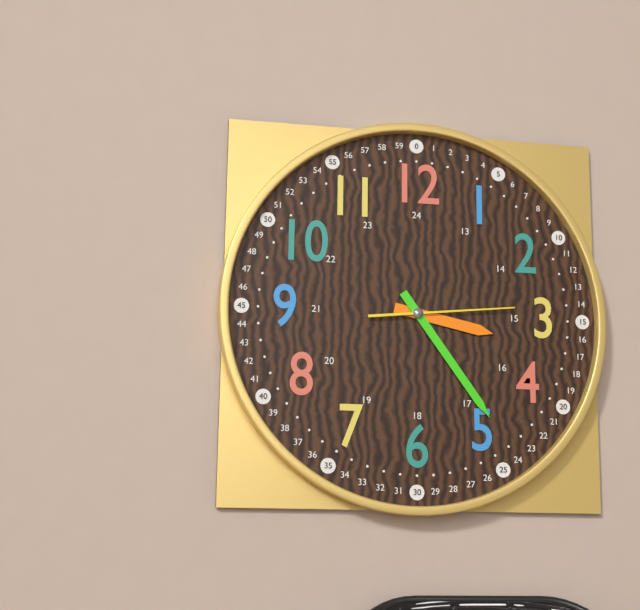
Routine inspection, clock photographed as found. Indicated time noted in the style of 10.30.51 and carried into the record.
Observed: 3.24.14
